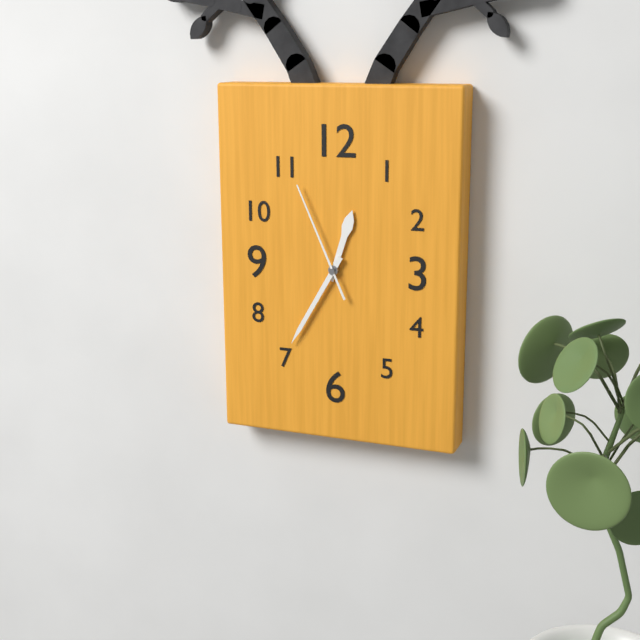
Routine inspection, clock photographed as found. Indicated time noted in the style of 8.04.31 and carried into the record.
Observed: 12.35.56
